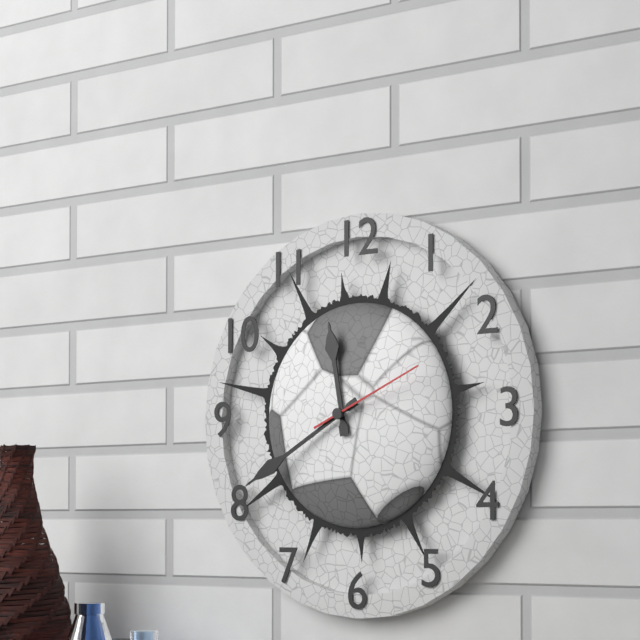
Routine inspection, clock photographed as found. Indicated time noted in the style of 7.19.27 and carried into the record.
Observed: 11.40.11
